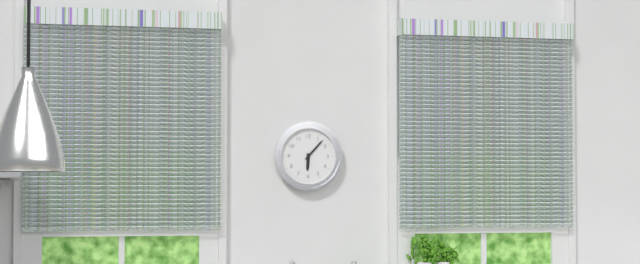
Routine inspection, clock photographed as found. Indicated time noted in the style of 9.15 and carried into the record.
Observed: 6.07
